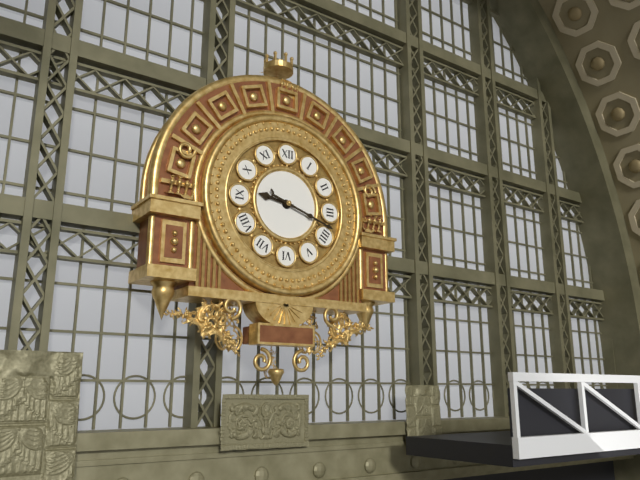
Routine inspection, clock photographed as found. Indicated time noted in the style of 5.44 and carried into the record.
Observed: 9.18
